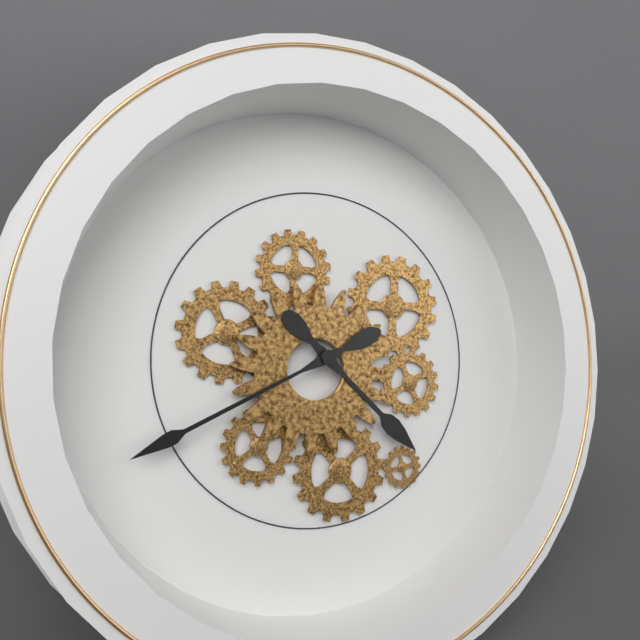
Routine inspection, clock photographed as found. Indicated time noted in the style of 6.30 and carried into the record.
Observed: 4.42
